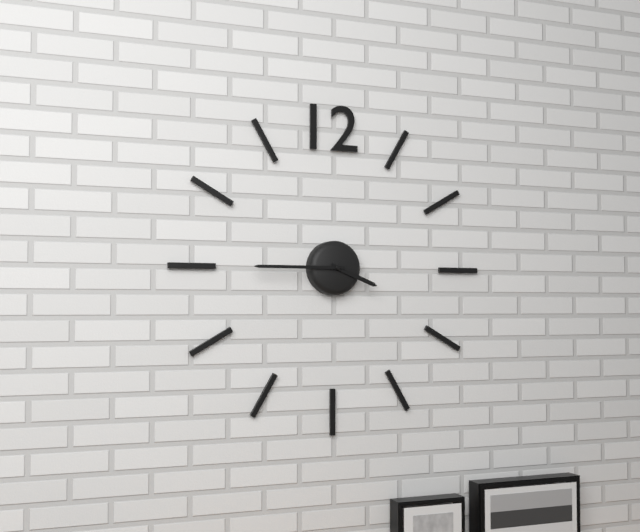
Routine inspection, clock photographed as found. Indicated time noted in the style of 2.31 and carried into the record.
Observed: 3.45
